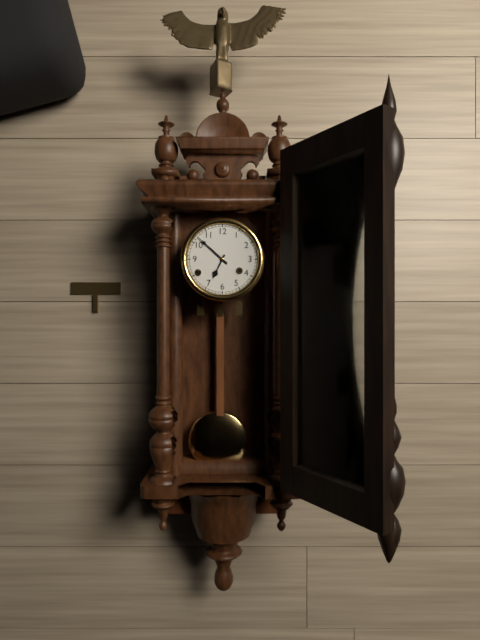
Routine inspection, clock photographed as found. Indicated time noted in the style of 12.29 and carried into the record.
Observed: 6.52
